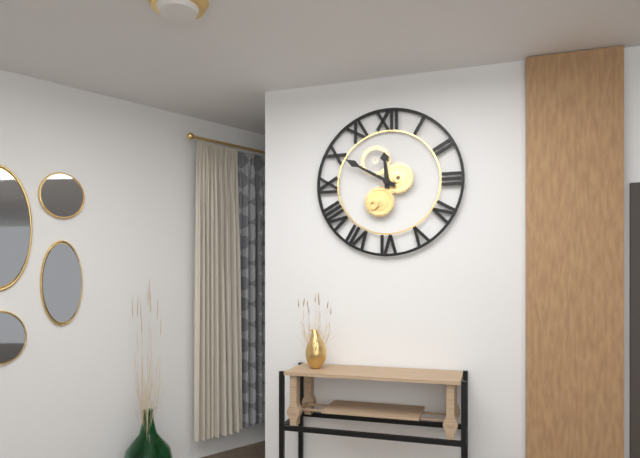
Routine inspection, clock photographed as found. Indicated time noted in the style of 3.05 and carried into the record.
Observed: 11.50
